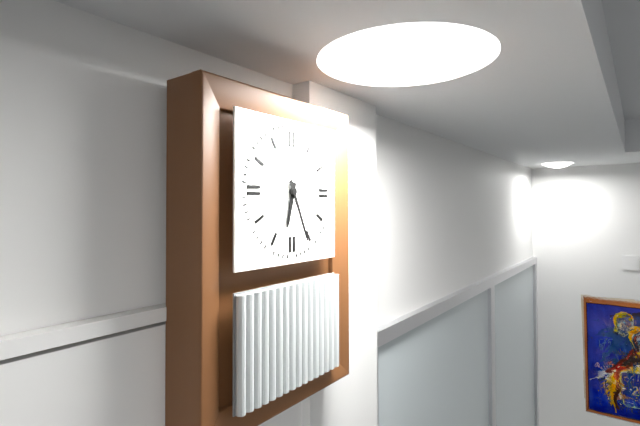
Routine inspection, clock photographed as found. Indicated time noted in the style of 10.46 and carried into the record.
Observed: 6.26
